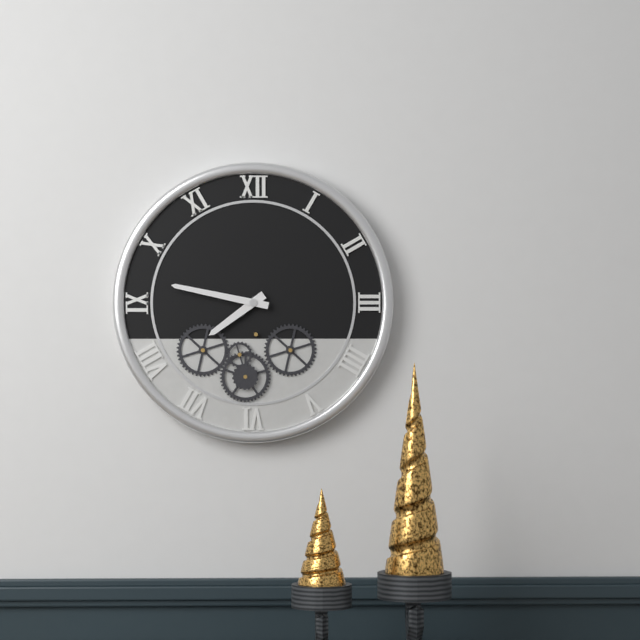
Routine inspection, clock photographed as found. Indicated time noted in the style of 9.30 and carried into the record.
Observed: 7.47
